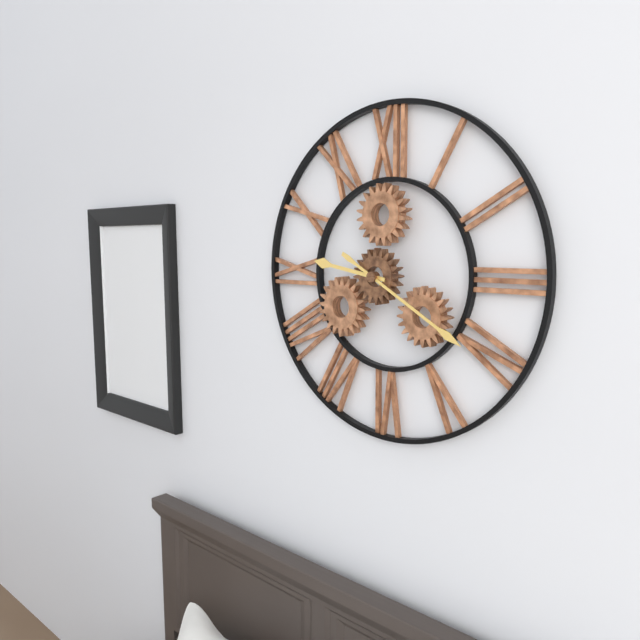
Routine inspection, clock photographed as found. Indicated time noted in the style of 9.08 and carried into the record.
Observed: 9.20
